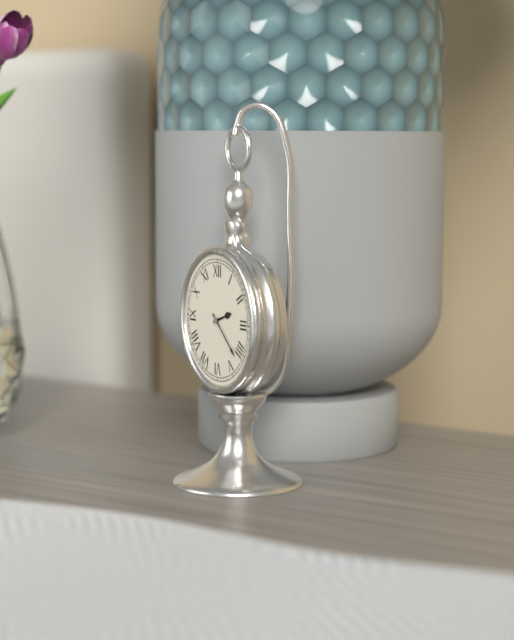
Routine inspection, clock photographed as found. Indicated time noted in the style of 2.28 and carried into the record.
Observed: 2.22
